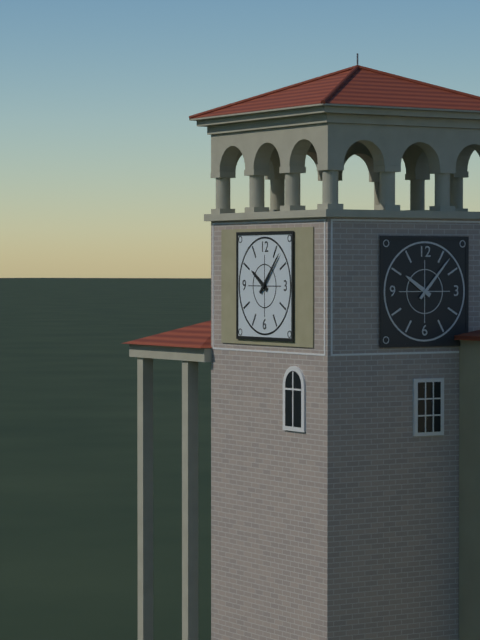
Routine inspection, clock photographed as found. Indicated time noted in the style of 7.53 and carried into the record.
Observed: 10.07
